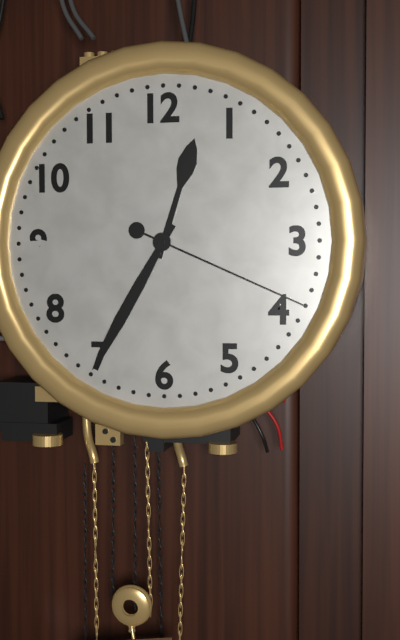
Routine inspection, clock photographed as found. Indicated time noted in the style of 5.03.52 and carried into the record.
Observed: 12.35.19
